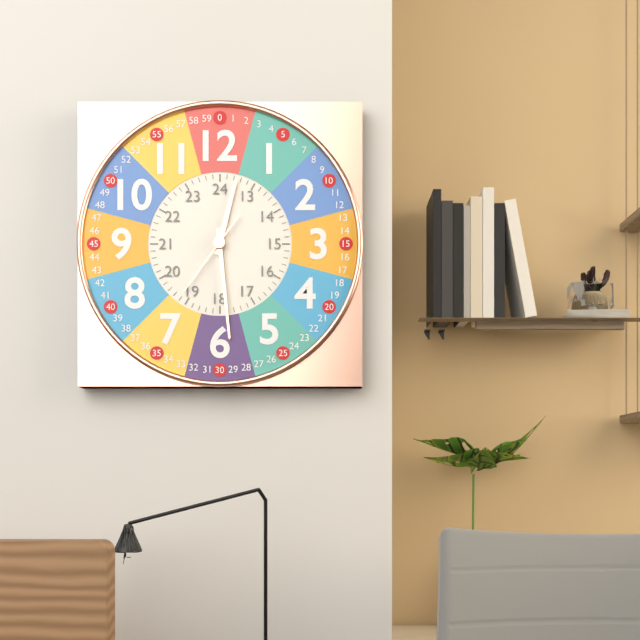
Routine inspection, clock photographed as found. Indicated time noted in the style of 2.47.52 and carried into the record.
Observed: 12.29.36
